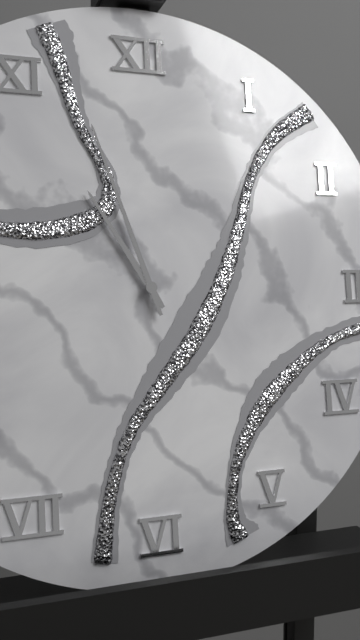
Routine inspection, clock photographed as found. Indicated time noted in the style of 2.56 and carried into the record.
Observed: 10.57
